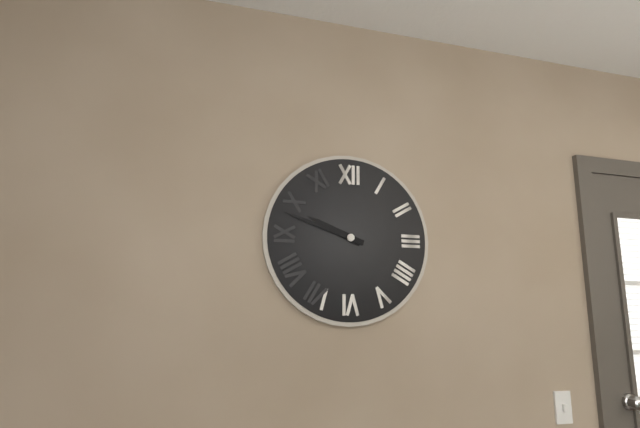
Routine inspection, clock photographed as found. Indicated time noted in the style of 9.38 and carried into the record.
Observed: 9.48
